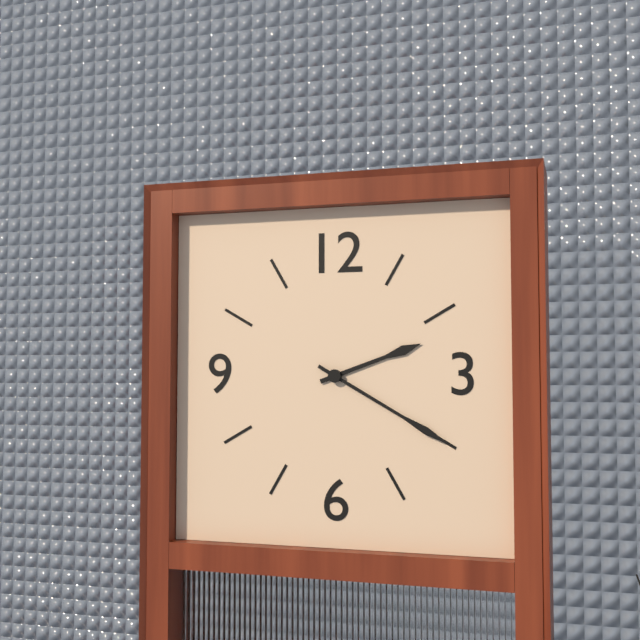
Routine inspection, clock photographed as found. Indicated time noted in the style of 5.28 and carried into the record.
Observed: 2.20
